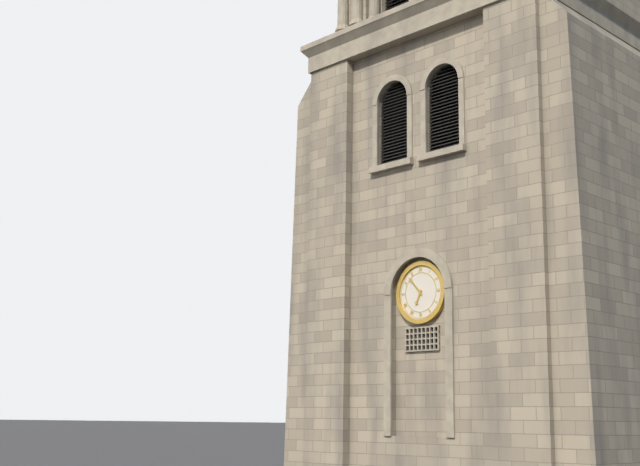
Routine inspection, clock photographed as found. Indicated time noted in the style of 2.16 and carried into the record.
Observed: 6.53
